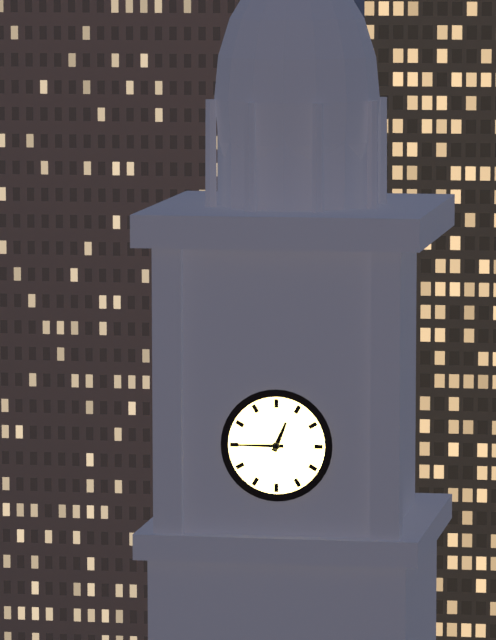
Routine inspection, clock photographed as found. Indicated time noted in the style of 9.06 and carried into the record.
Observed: 12.45
